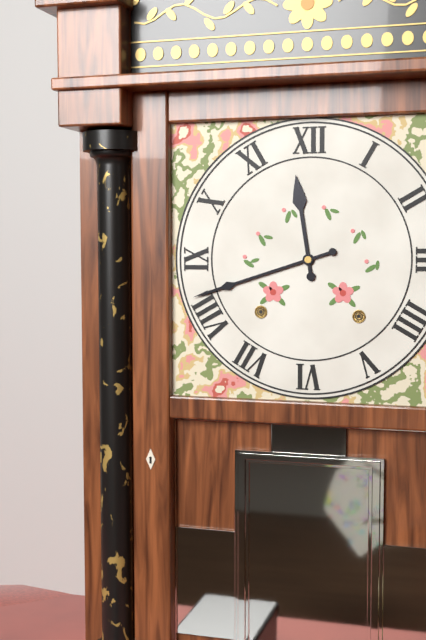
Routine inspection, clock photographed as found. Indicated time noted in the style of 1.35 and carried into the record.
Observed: 11.42
